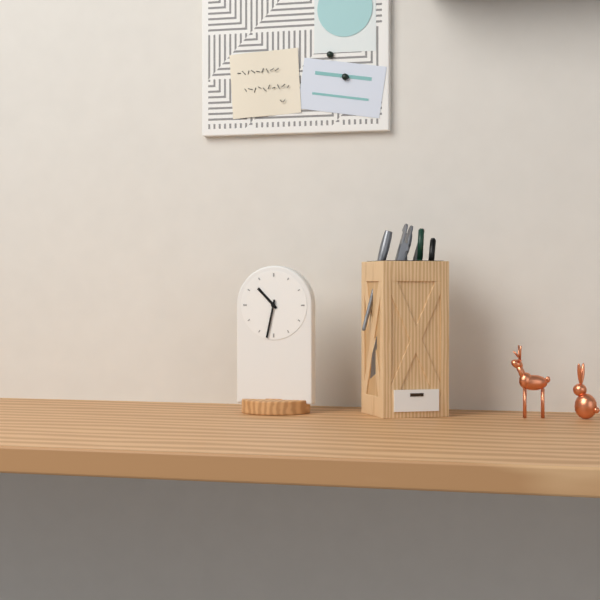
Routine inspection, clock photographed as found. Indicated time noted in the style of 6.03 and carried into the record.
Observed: 10.32
